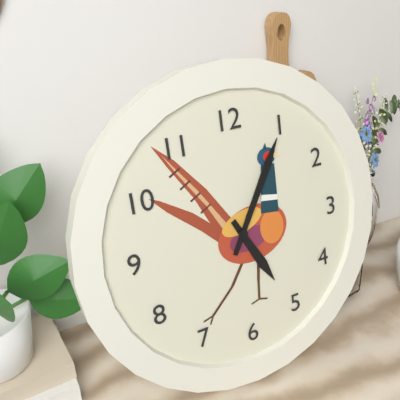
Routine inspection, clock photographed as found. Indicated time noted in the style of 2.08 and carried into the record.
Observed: 5.05
